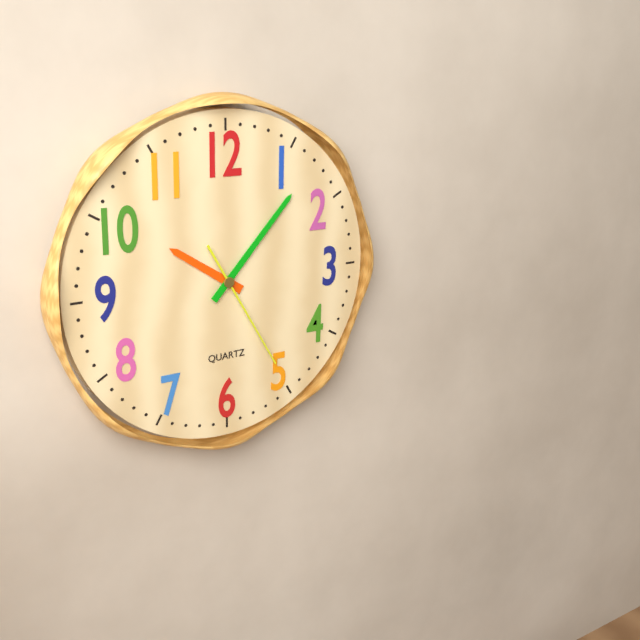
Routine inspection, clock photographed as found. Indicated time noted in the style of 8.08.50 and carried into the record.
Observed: 10.07.25
